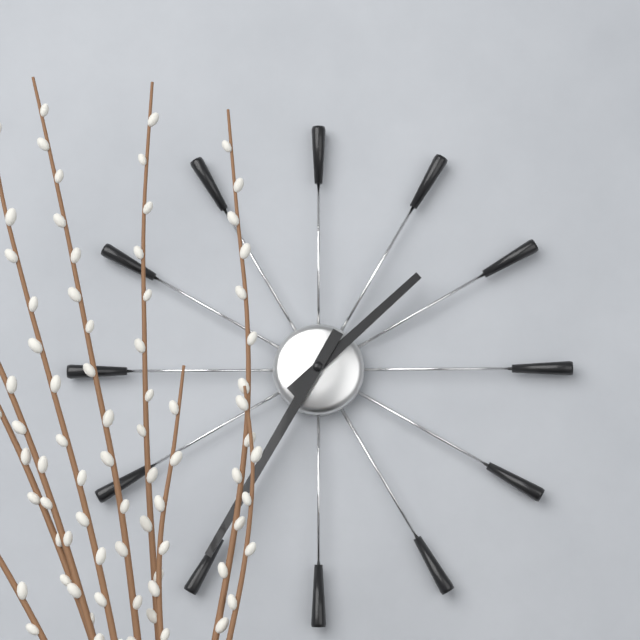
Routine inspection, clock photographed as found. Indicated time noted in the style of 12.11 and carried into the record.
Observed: 1.35
